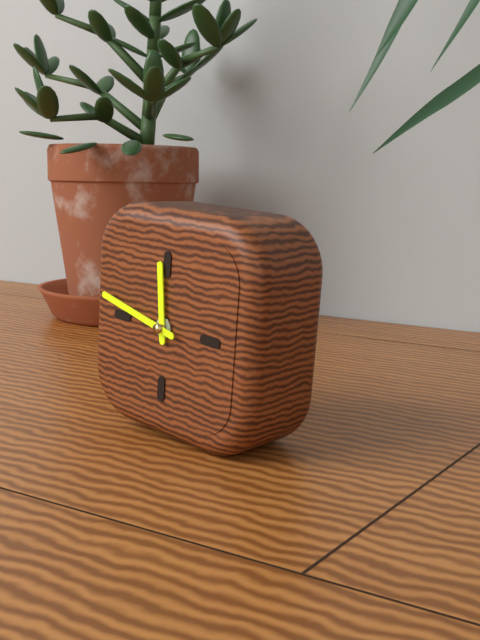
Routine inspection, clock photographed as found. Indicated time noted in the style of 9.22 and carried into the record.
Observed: 11.47
